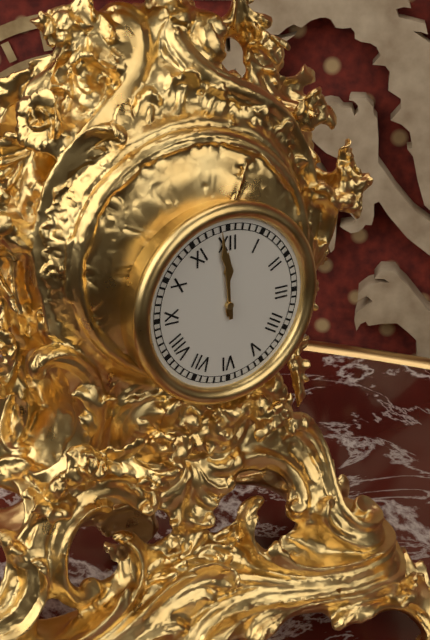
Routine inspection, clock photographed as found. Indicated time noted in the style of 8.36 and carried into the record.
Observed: 11.59
